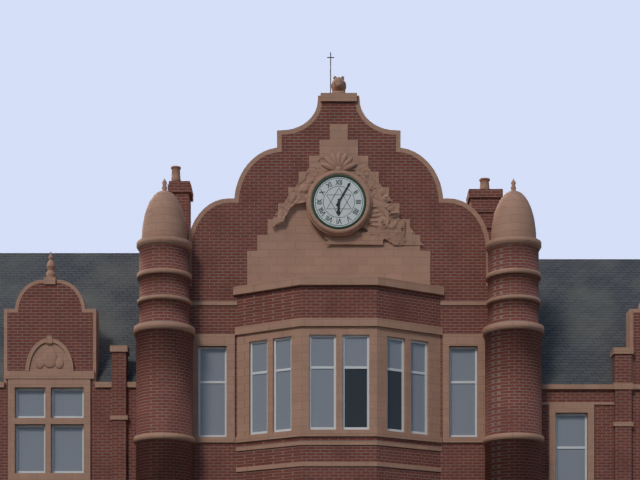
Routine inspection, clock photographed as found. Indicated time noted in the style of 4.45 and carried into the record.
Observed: 6.05
